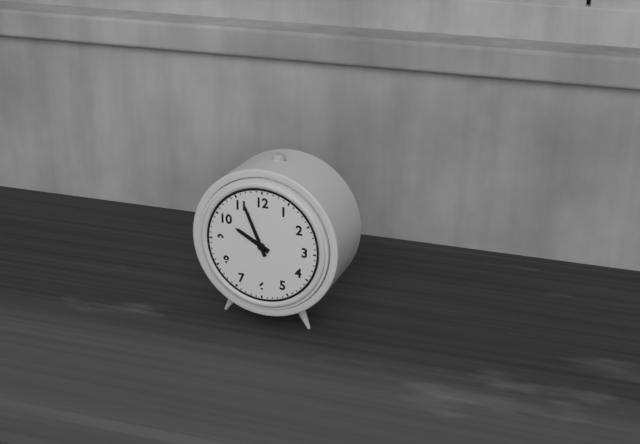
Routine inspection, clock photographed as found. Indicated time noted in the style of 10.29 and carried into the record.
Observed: 9.56
